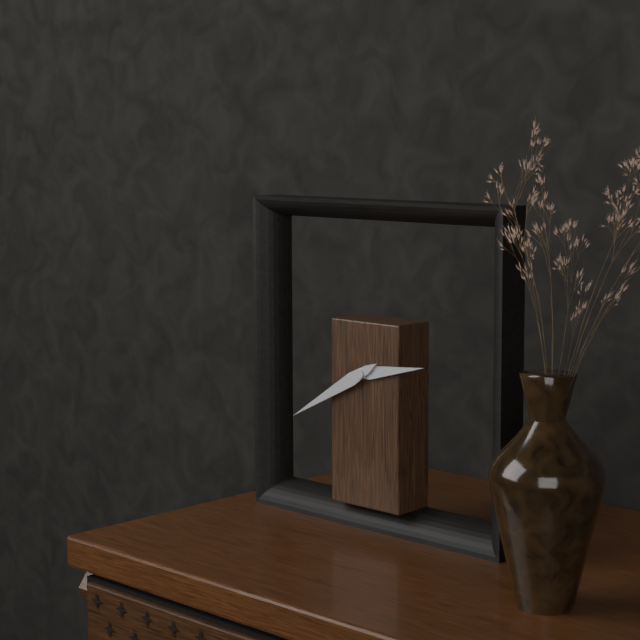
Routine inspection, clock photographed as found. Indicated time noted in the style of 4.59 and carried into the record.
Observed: 2.40
